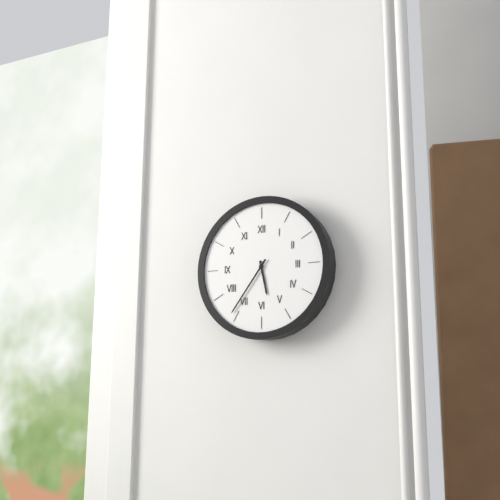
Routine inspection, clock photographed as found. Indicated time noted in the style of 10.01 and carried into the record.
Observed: 5.36
